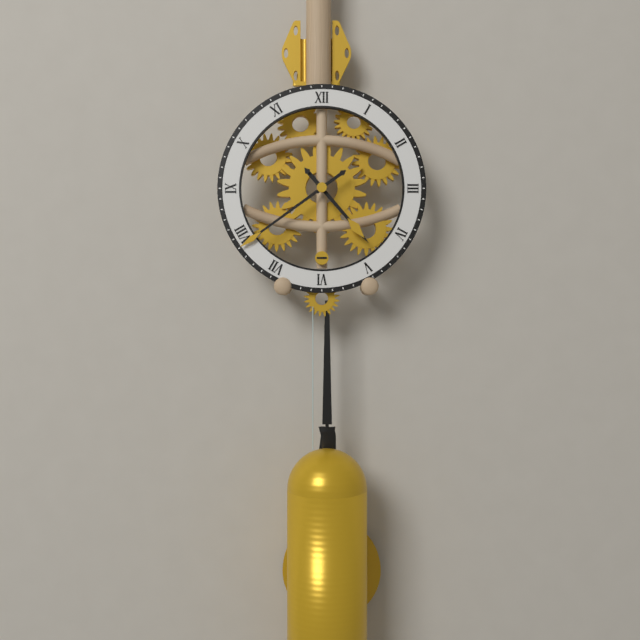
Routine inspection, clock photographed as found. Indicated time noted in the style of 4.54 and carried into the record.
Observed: 4.39
